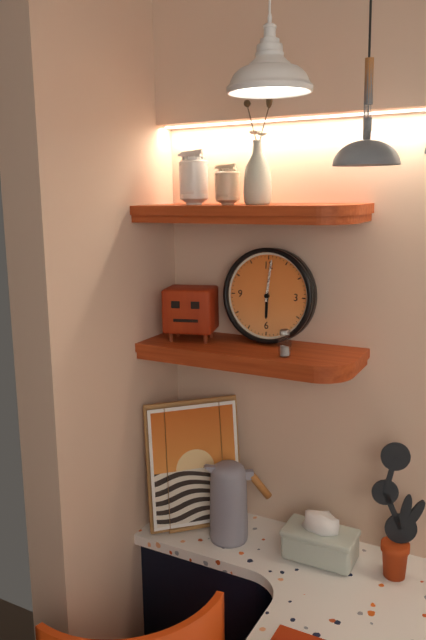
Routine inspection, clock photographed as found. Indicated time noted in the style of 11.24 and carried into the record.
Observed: 6.01
